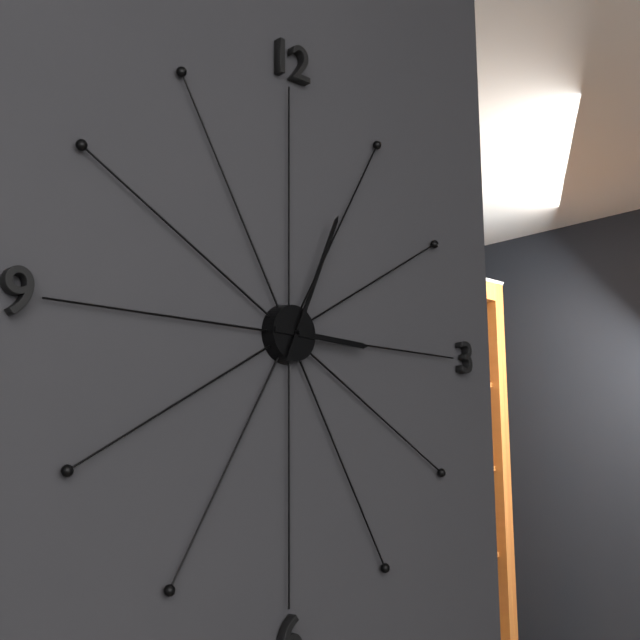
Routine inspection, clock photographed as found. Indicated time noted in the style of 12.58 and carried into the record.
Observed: 3.04
